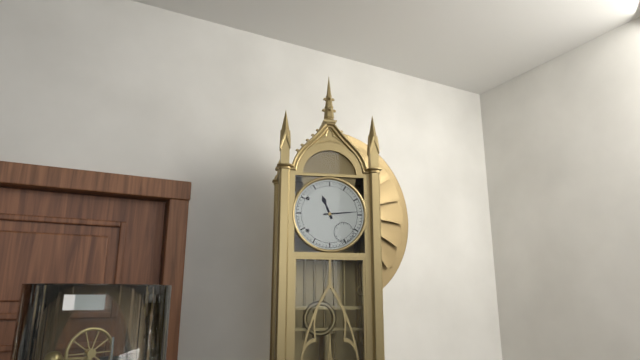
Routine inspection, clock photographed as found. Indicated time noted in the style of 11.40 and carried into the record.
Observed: 11.14
